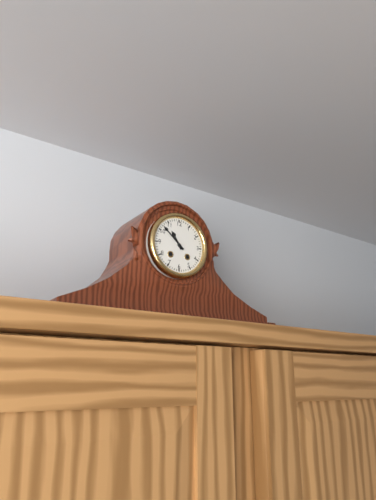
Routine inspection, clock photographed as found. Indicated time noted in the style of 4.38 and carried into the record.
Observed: 10.52
